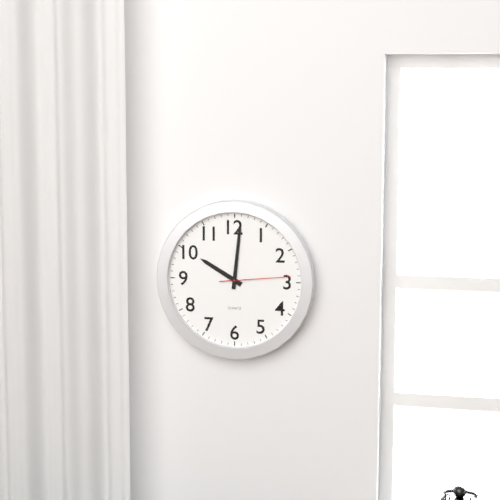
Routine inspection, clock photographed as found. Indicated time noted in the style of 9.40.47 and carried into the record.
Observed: 10.01.14
